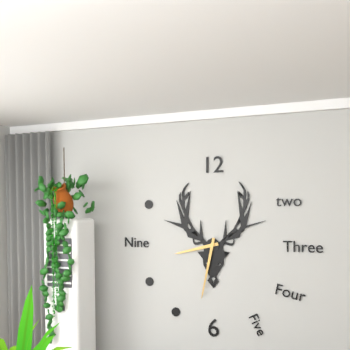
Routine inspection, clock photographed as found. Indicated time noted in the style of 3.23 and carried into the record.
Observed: 8.32
